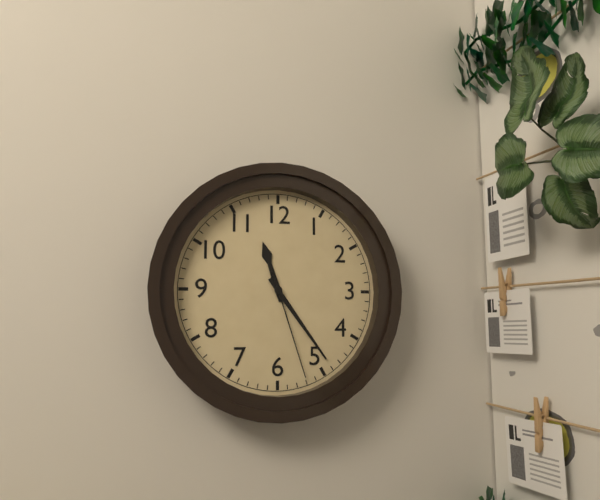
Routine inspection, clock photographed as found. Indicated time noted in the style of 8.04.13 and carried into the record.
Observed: 11.24.27
